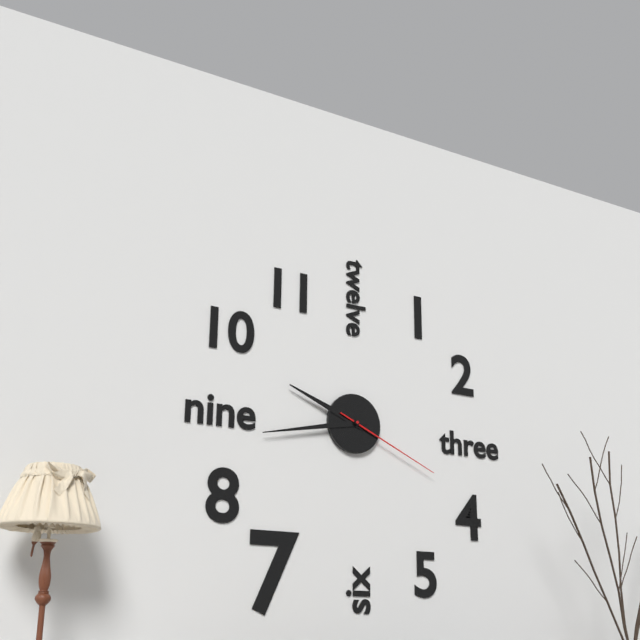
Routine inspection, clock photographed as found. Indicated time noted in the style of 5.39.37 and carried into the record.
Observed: 9.43.19
